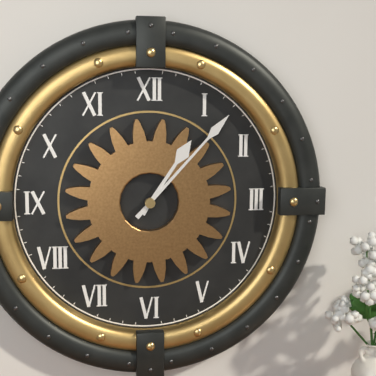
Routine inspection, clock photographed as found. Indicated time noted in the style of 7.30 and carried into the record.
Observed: 1.07
